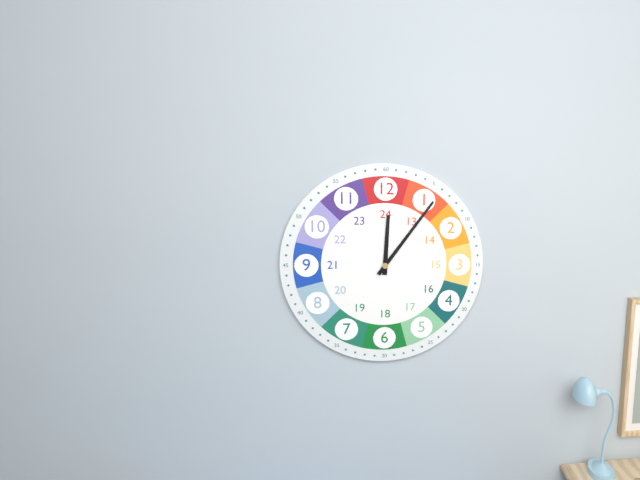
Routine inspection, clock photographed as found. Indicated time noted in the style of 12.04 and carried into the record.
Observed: 12.06
